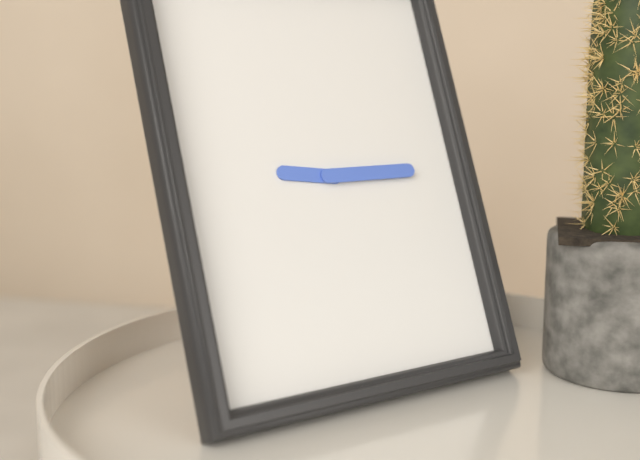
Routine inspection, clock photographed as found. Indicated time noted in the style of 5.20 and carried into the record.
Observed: 9.15
